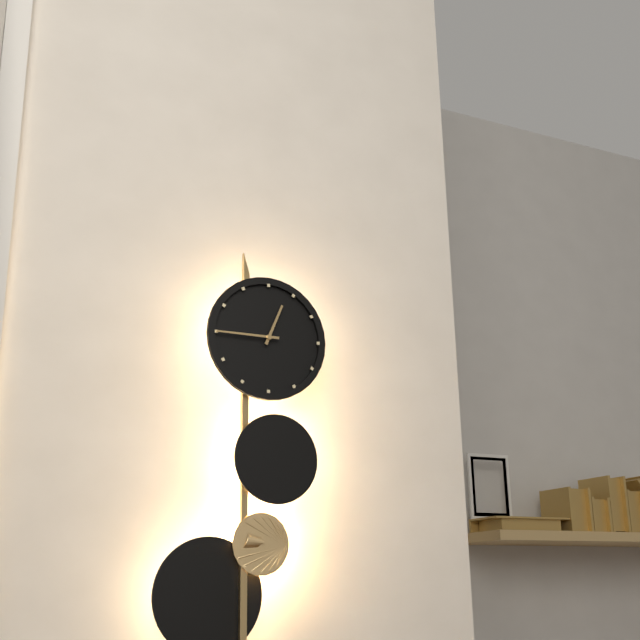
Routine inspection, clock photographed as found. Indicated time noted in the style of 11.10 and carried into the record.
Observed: 12.45
